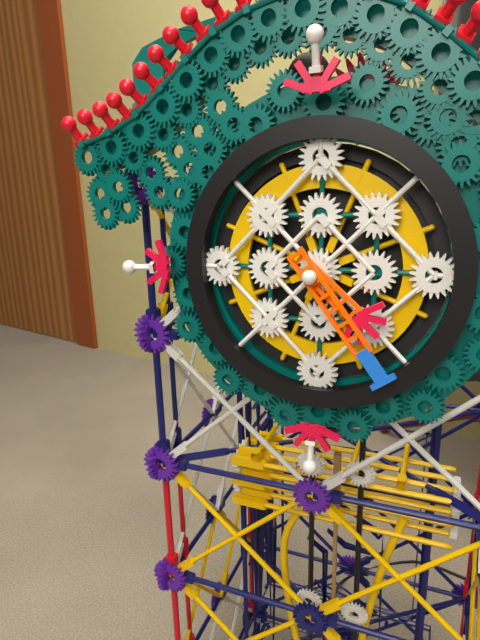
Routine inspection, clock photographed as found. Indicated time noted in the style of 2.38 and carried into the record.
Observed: 4.24
